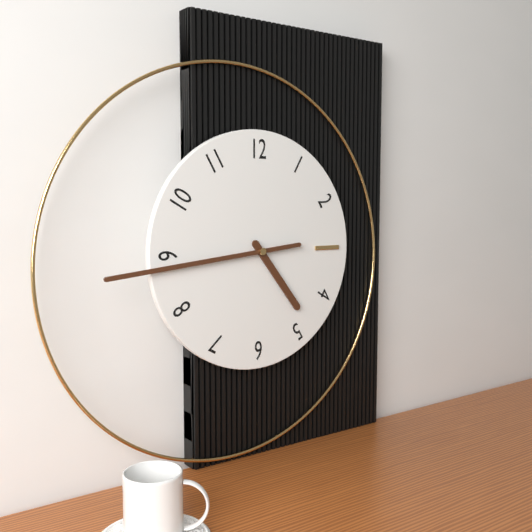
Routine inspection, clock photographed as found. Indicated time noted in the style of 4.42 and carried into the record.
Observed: 4.44
